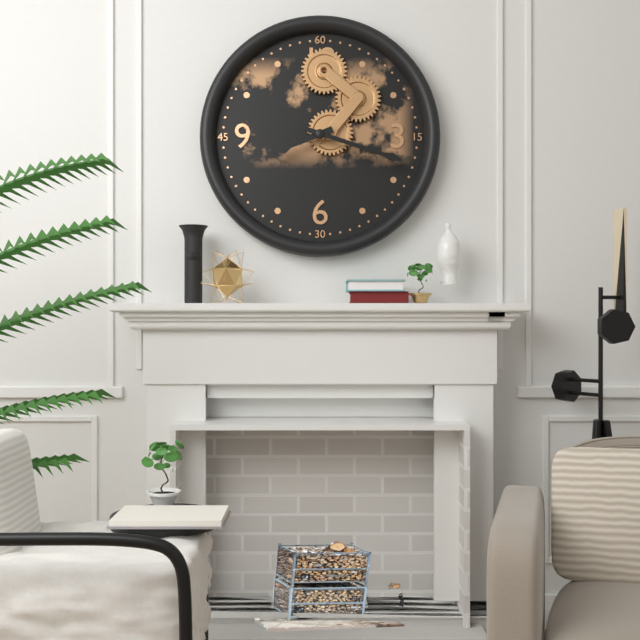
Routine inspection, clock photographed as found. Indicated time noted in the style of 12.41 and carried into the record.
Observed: 8.18
